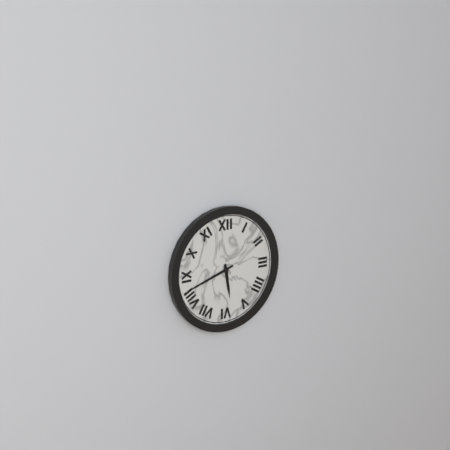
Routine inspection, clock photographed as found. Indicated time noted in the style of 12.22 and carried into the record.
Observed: 5.42
